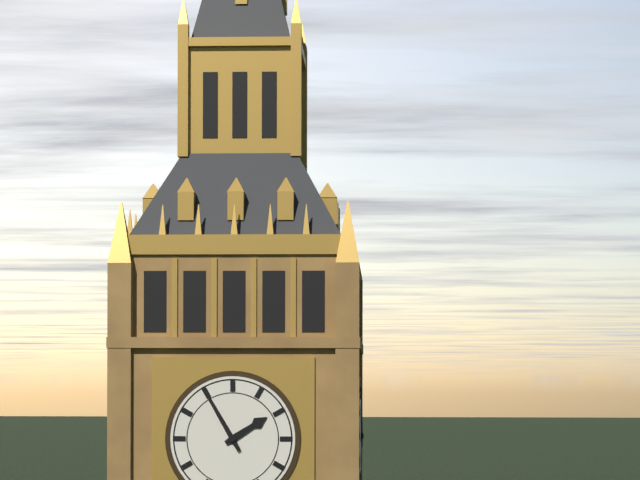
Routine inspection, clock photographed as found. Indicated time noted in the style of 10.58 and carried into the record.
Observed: 1.55
